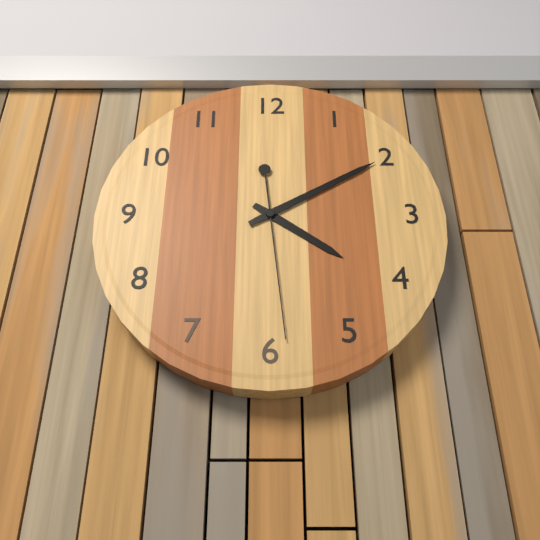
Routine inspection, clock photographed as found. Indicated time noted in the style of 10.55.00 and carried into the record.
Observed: 4.10.29
